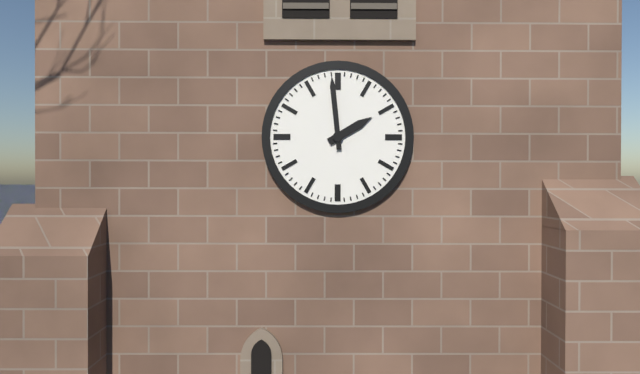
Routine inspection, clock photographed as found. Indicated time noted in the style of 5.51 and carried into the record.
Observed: 1.59
